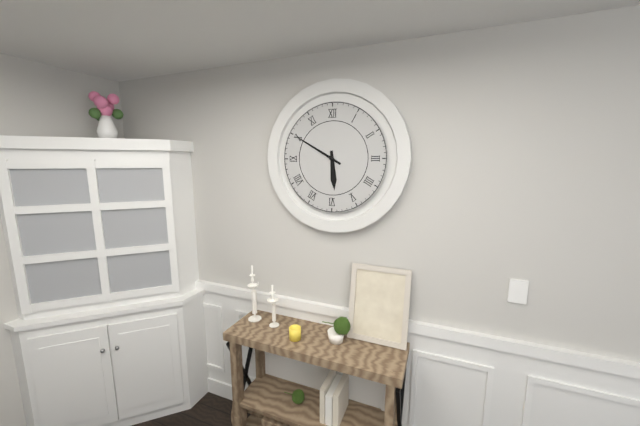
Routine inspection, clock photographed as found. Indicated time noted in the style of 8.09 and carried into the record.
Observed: 5.50
